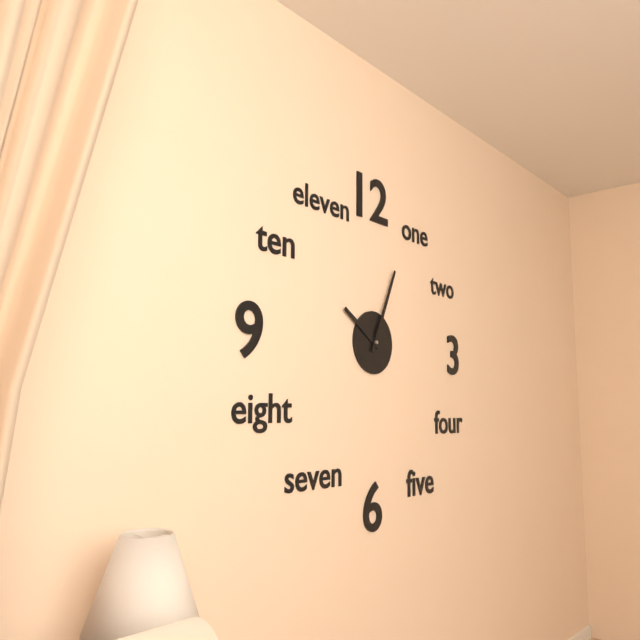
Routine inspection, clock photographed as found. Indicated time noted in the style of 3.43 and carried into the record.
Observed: 10.04
